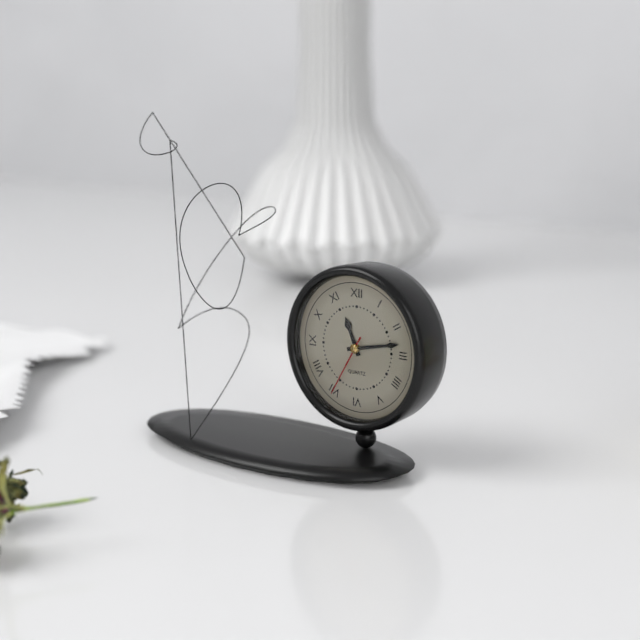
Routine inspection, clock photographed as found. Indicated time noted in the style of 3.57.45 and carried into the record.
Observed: 11.13.35
